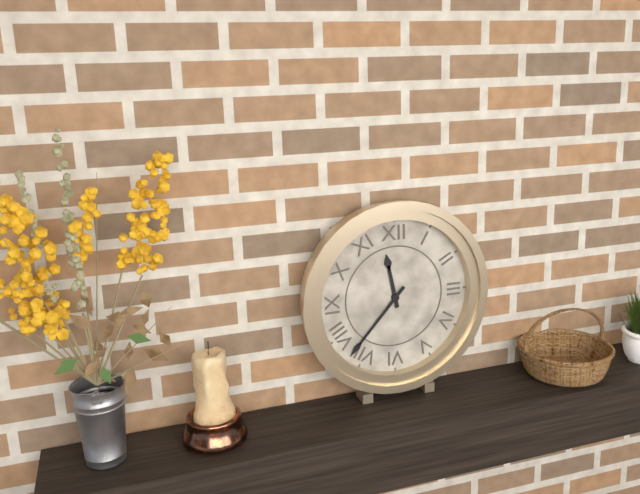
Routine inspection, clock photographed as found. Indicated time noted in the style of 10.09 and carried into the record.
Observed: 11.37
